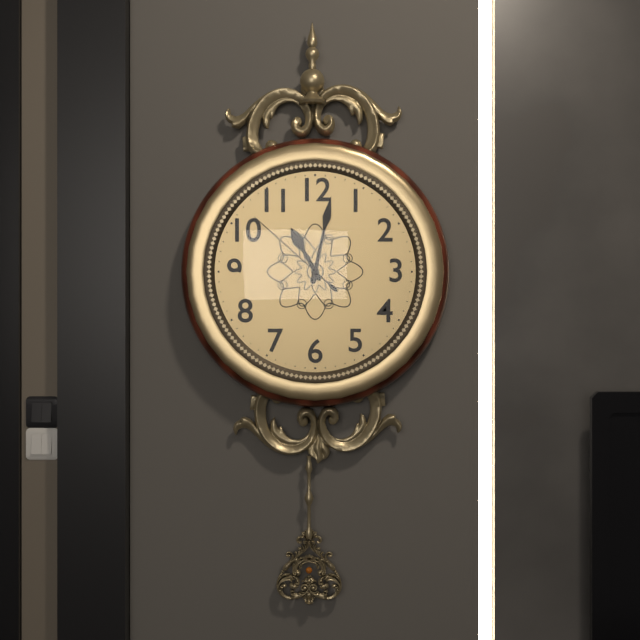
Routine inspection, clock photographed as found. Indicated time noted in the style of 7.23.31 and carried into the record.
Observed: 11.02.52
